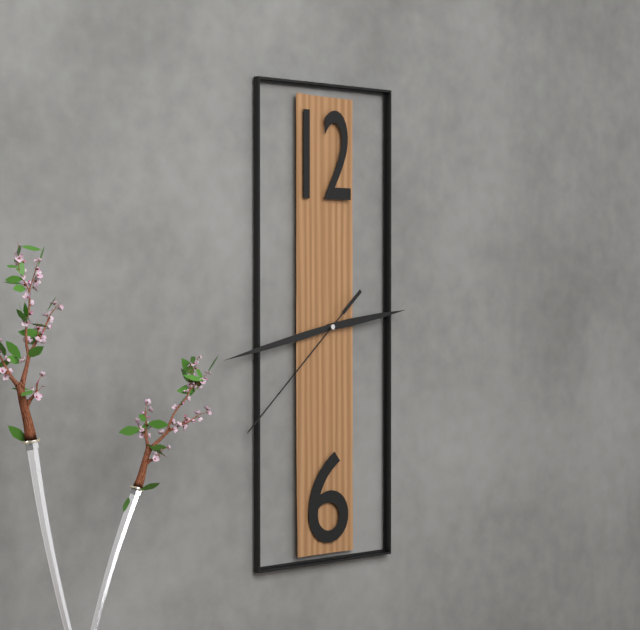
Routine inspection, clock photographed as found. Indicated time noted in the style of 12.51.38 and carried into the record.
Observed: 2.43.38
